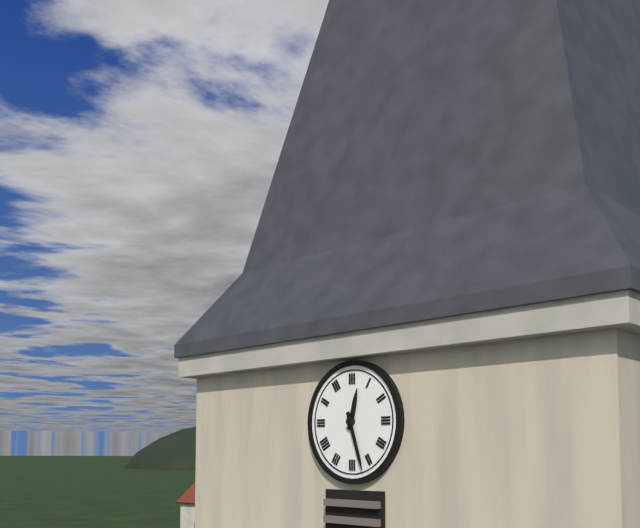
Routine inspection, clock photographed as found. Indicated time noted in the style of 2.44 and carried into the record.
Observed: 12.27
